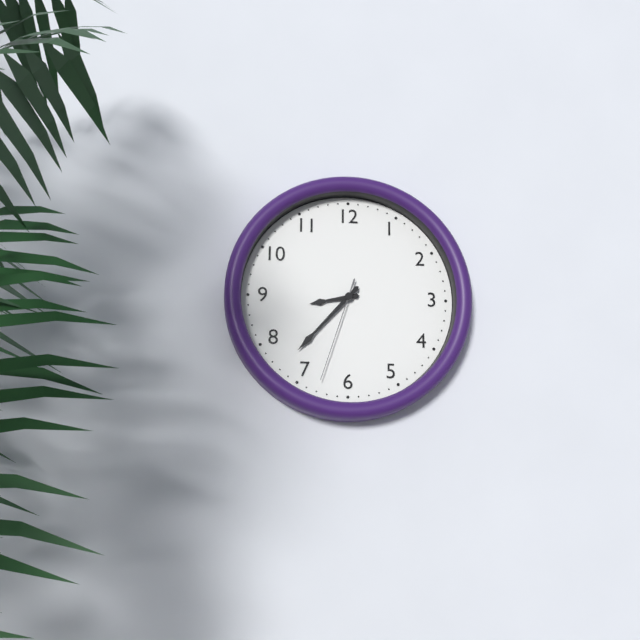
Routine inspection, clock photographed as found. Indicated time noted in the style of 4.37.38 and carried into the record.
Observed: 8.37.33
